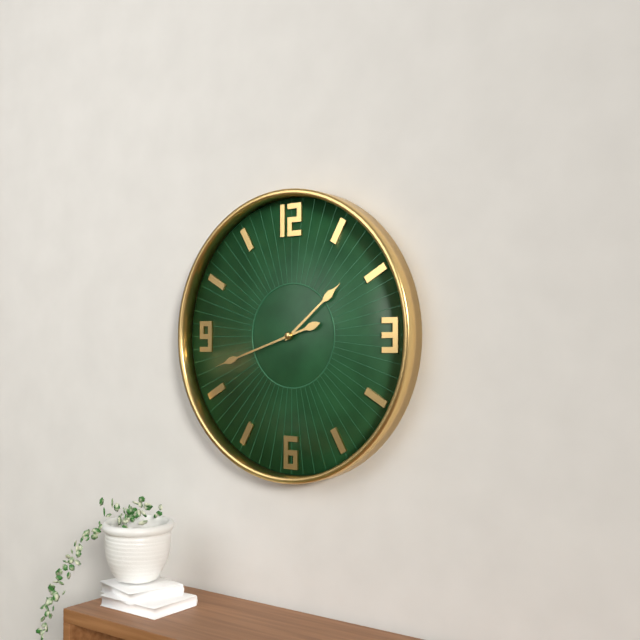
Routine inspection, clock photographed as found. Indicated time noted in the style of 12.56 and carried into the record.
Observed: 1.42
